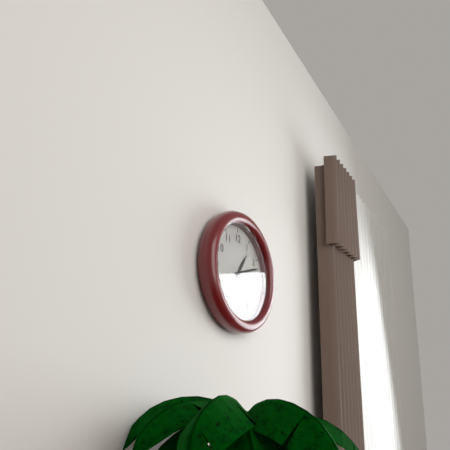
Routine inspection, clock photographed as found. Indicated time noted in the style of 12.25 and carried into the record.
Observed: 1.12
